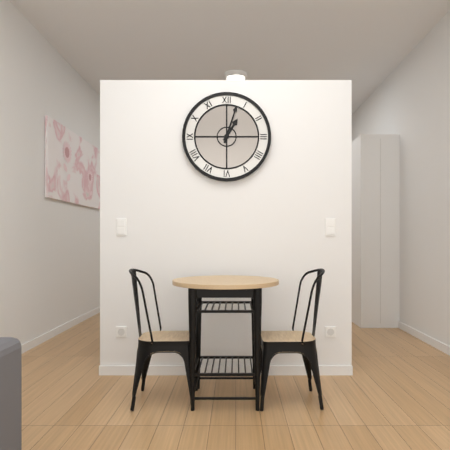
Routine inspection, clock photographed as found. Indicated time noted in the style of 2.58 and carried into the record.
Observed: 1.03
